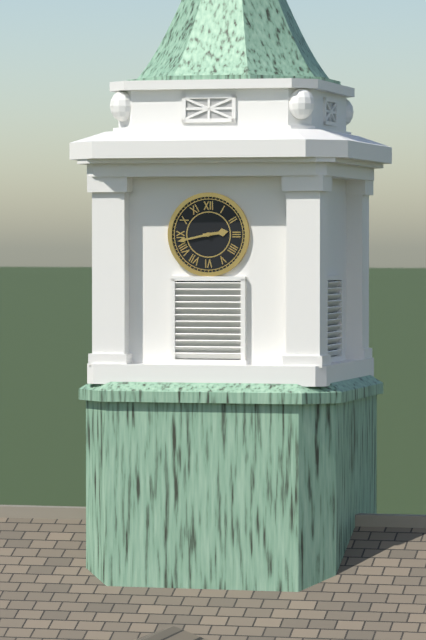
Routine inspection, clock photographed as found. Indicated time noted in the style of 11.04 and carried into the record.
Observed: 2.43
